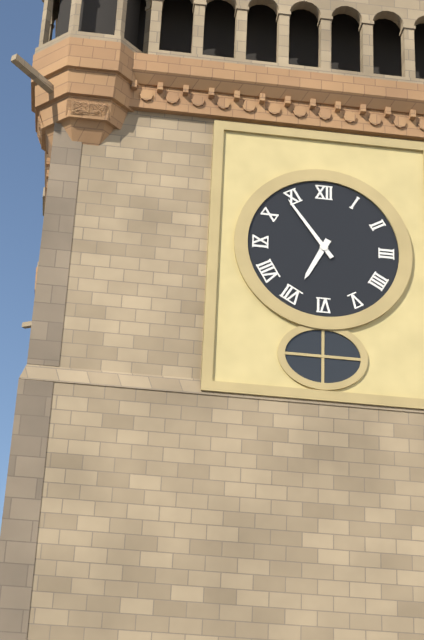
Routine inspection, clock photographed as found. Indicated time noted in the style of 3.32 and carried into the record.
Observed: 6.54
